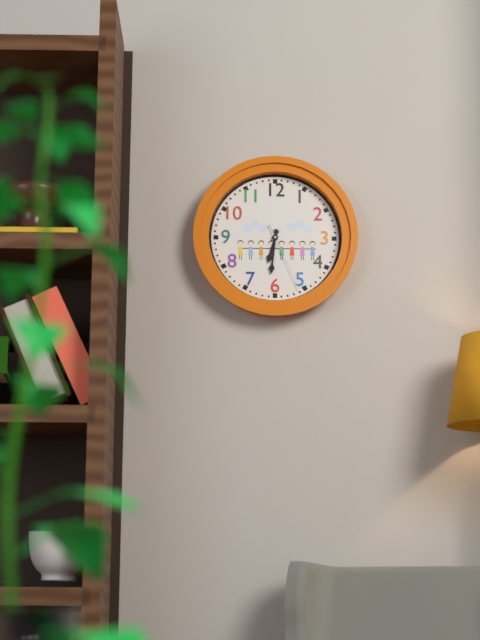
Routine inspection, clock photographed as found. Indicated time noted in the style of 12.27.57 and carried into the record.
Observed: 6.31.26
